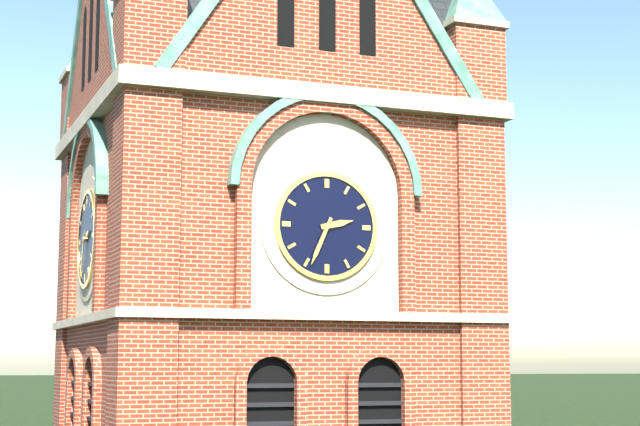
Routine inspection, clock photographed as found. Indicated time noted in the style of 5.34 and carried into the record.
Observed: 2.34
